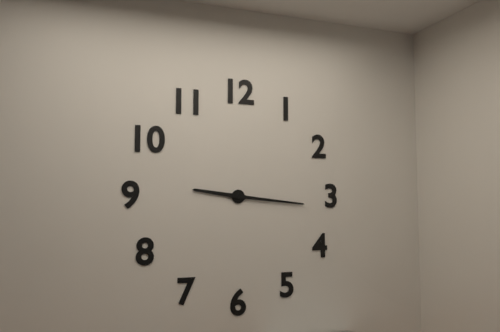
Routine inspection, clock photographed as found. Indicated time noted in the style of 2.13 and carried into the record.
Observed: 9.16
